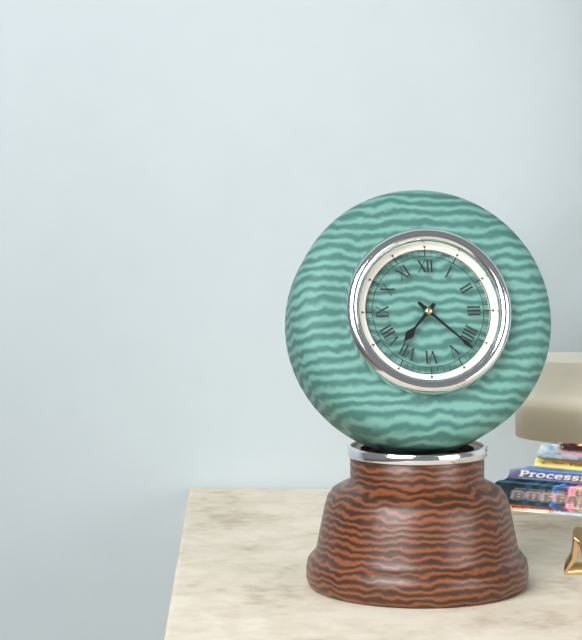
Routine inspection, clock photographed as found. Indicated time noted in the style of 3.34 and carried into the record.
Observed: 7.22
